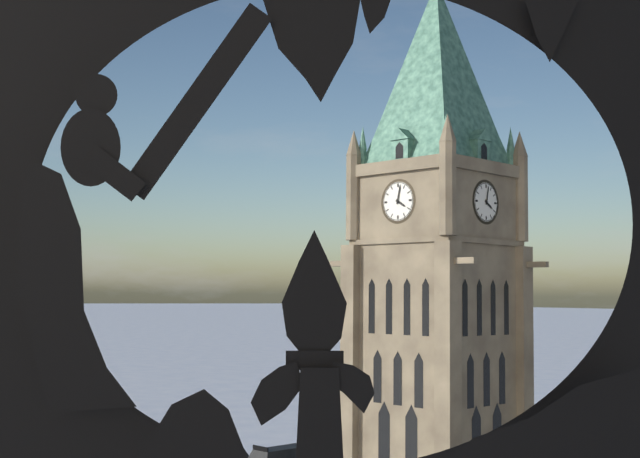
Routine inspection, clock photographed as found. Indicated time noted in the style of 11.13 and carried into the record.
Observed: 4.02
